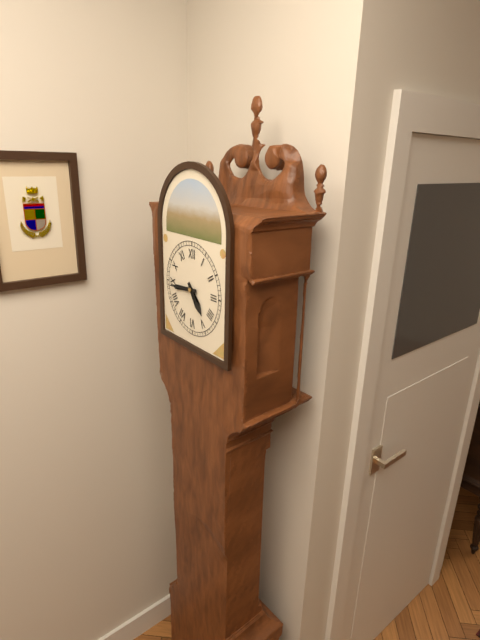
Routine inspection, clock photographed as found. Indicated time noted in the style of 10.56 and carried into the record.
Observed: 4.44
